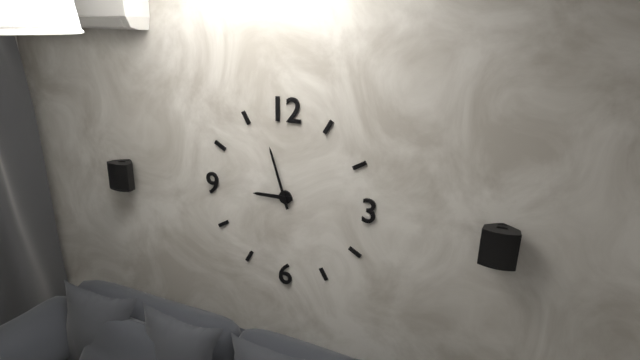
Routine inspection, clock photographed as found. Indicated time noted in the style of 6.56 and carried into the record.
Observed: 8.57
